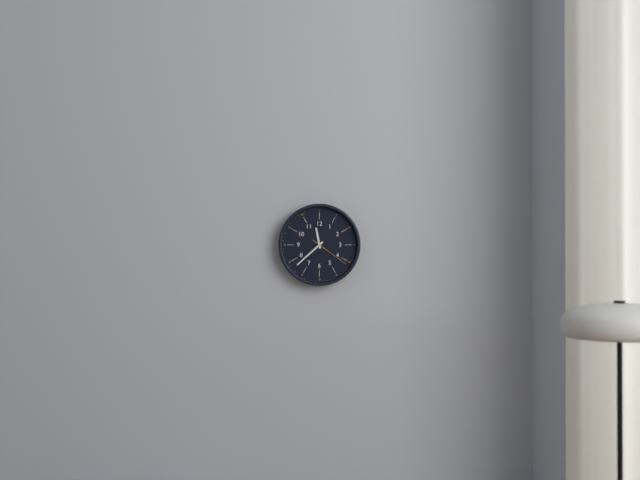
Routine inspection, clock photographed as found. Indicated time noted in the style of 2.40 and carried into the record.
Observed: 11.38
